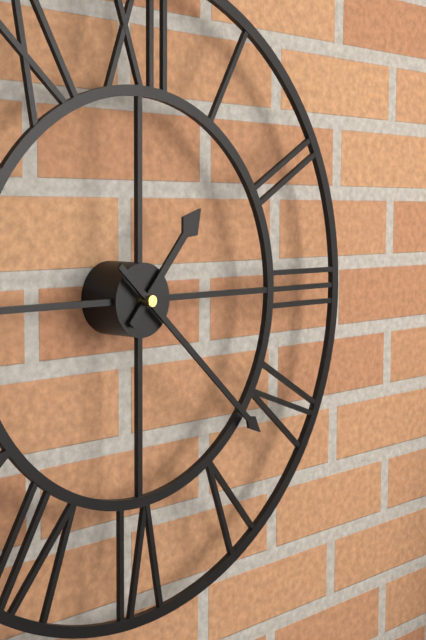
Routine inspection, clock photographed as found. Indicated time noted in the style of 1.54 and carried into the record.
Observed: 1.22
